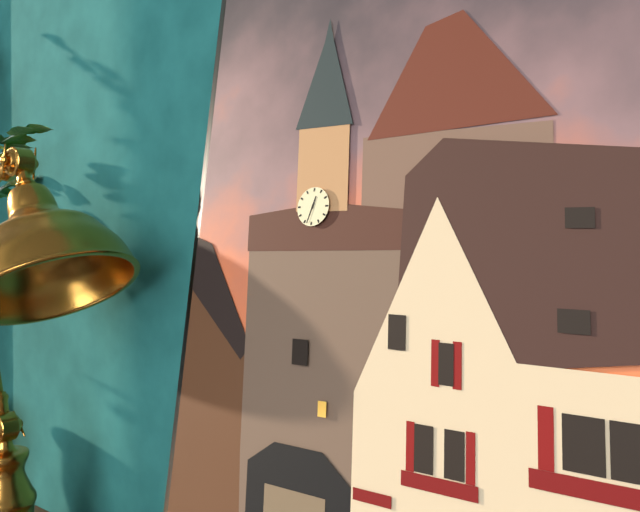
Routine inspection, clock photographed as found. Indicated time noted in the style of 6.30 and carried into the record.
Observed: 12.33
